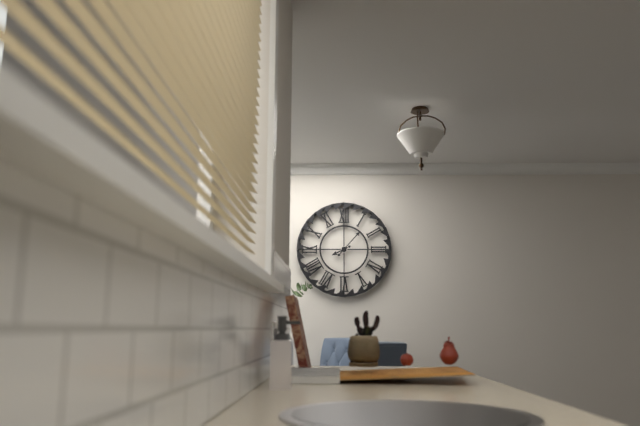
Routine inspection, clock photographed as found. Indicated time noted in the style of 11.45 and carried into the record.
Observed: 8.07
